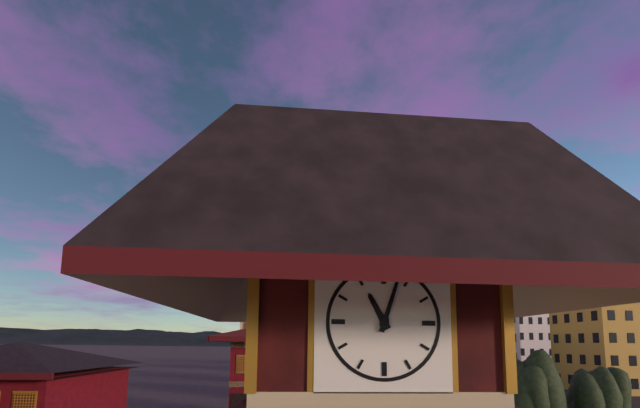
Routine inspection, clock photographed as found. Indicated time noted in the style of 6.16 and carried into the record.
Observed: 11.03
